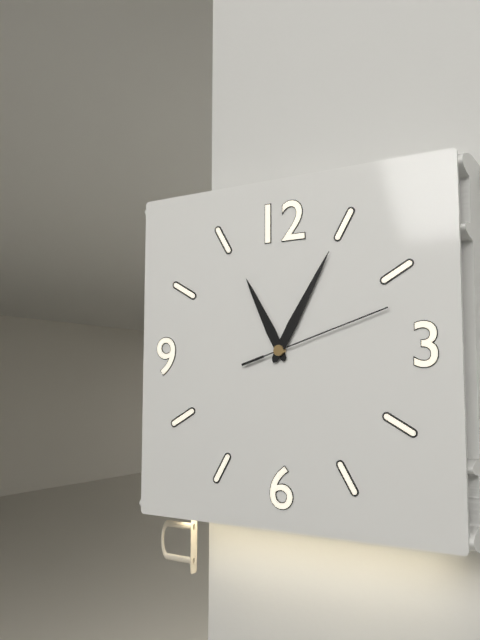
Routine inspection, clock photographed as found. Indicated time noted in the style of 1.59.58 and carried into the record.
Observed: 11.05.12
